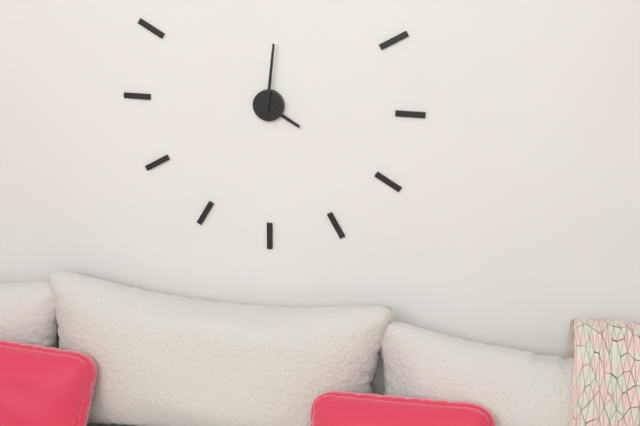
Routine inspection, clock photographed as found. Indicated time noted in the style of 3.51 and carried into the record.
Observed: 4.01
